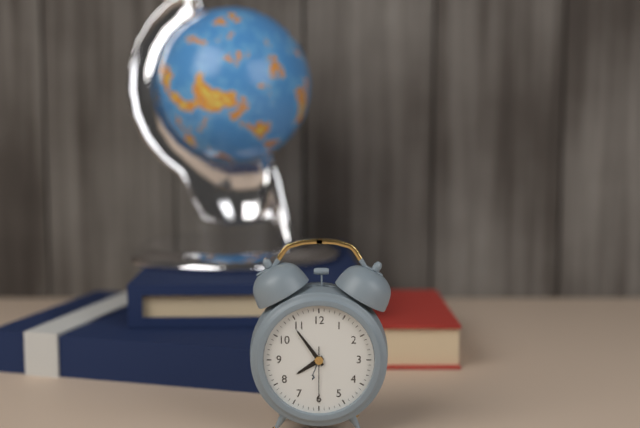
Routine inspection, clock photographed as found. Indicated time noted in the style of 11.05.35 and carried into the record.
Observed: 7.54.30
